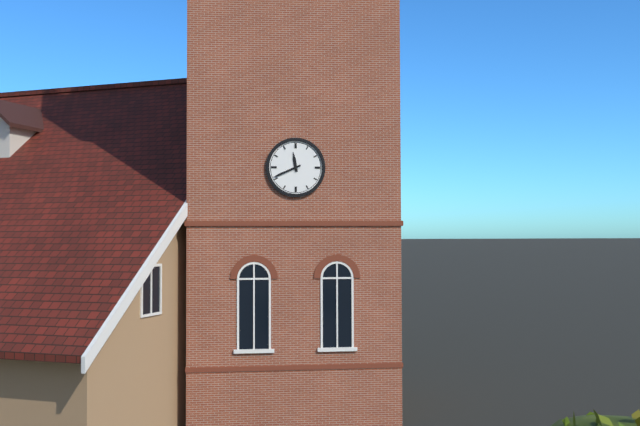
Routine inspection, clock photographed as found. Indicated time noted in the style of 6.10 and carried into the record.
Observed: 11.41
